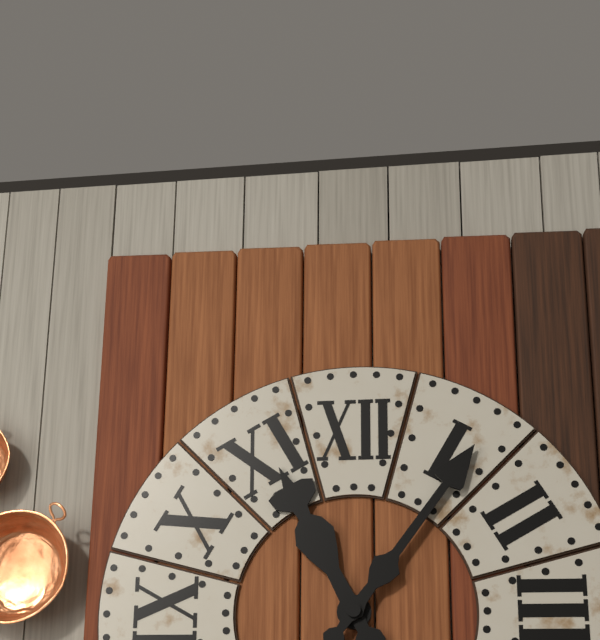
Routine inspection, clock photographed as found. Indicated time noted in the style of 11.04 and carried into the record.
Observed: 11.06
